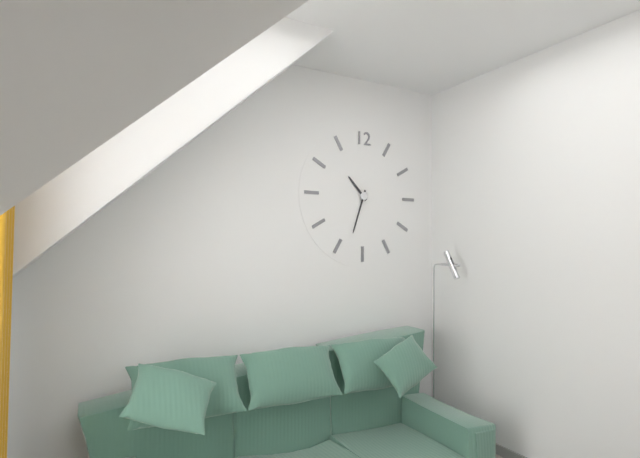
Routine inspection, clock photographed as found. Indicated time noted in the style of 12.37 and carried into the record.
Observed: 10.33
